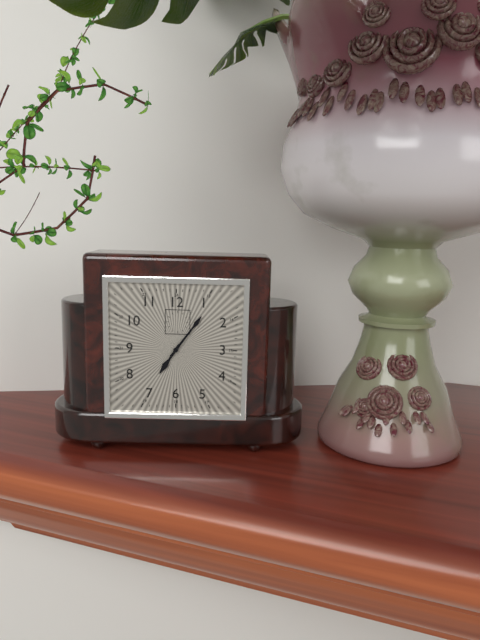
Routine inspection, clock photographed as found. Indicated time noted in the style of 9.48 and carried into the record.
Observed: 7.06
